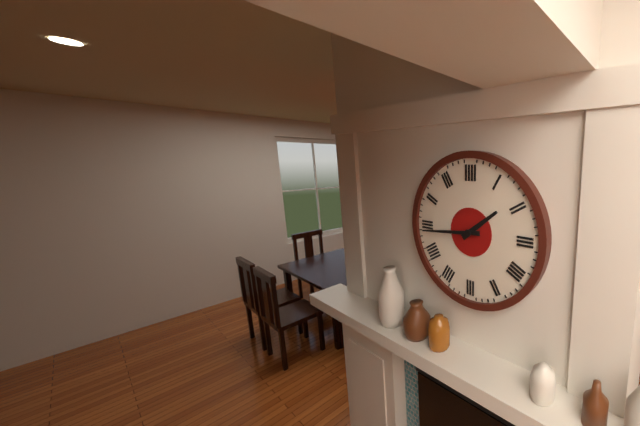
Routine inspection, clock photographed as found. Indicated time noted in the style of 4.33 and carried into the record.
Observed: 1.44
